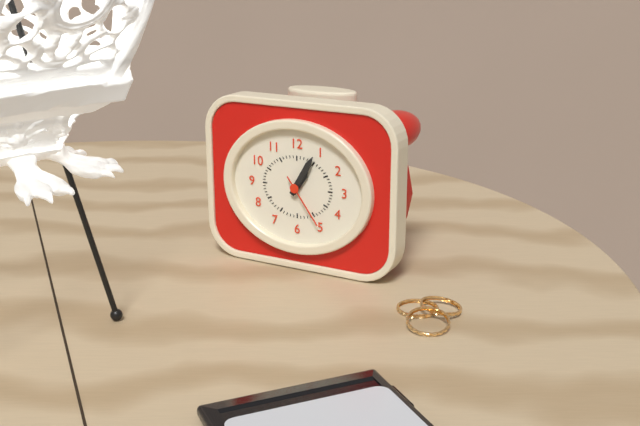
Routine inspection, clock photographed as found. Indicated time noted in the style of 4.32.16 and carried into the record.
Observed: 1.05.24
